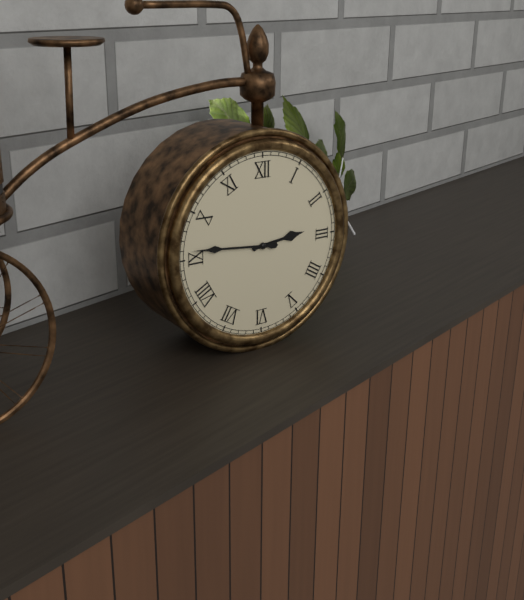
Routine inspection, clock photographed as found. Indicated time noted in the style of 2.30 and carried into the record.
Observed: 2.46
